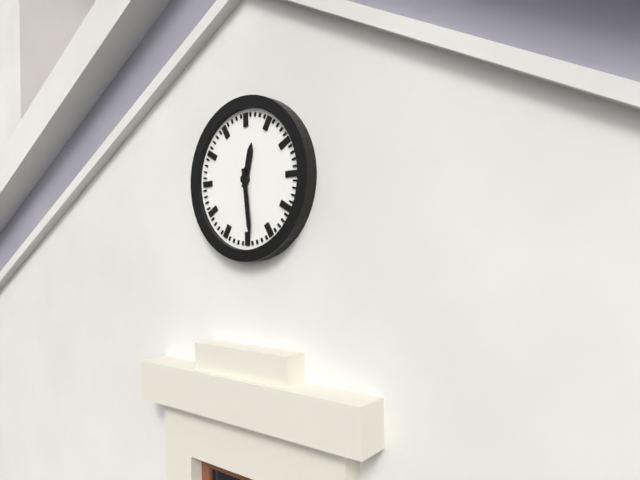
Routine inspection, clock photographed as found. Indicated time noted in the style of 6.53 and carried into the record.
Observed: 12.29
